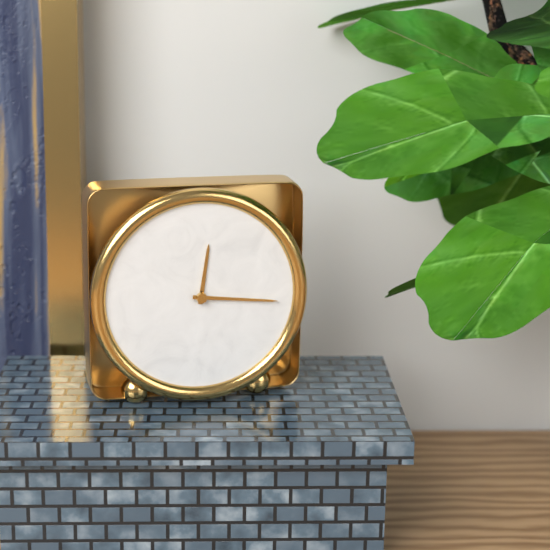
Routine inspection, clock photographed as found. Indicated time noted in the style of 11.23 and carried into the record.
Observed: 12.16
